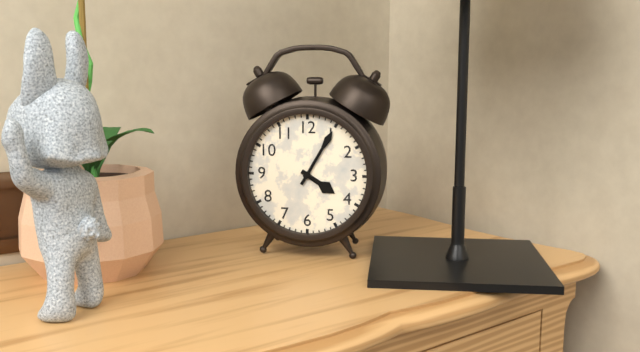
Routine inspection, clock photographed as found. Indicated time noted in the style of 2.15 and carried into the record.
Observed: 4.05
